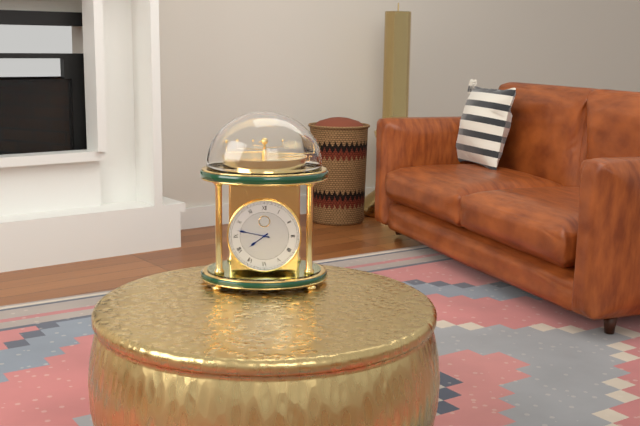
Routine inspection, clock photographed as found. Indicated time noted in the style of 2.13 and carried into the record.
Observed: 7.47
